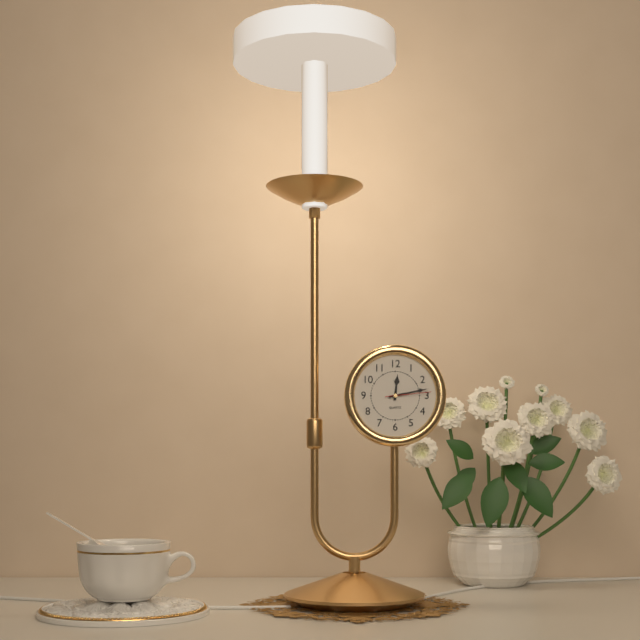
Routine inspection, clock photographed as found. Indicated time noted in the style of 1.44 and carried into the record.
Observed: 12.13
